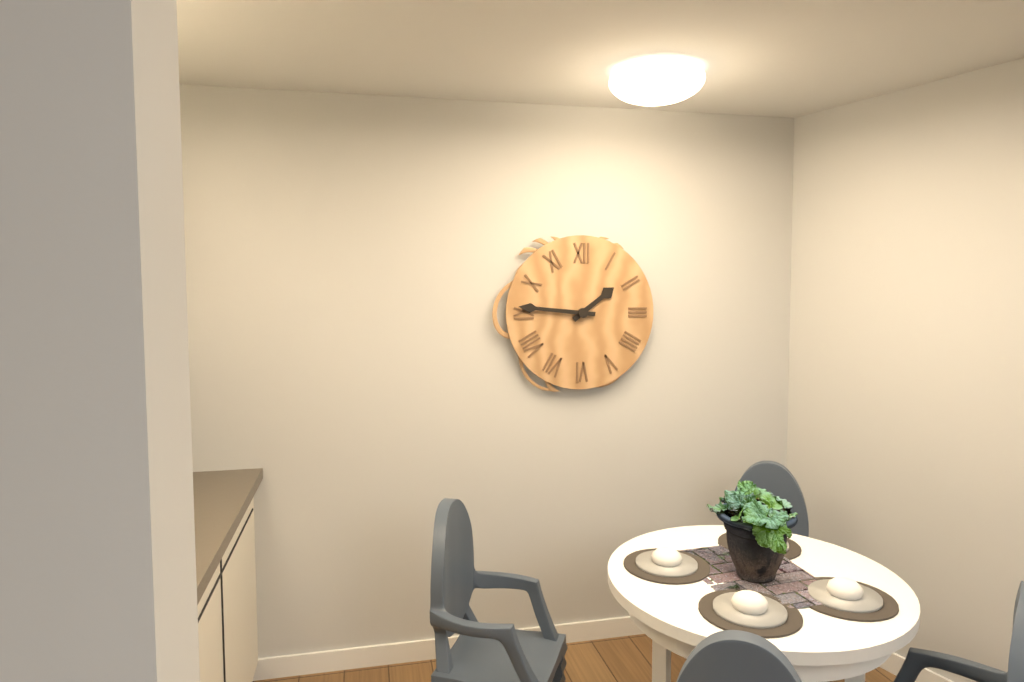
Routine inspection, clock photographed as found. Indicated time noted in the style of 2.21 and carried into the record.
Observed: 1.46
